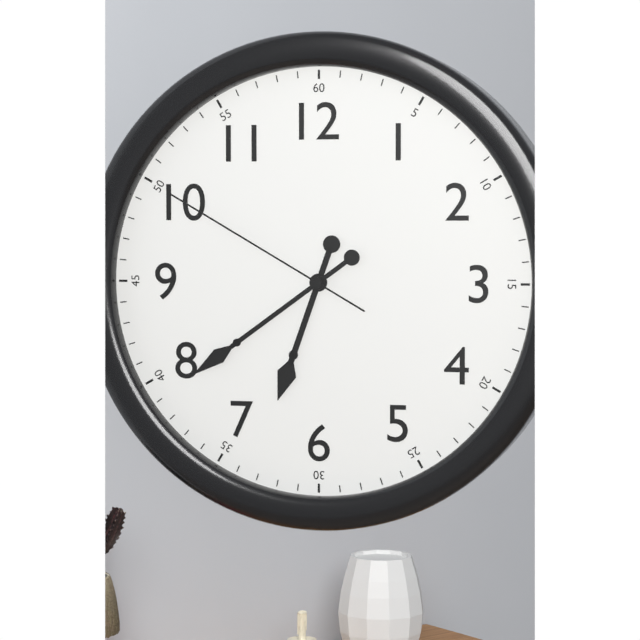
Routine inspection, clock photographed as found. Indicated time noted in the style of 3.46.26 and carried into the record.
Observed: 6.39.50
